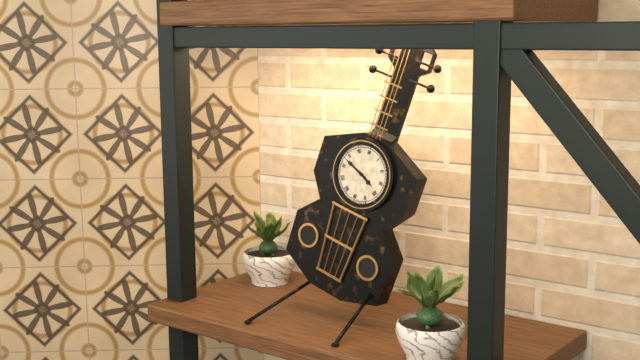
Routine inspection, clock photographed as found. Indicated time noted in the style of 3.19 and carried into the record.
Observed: 3.48
